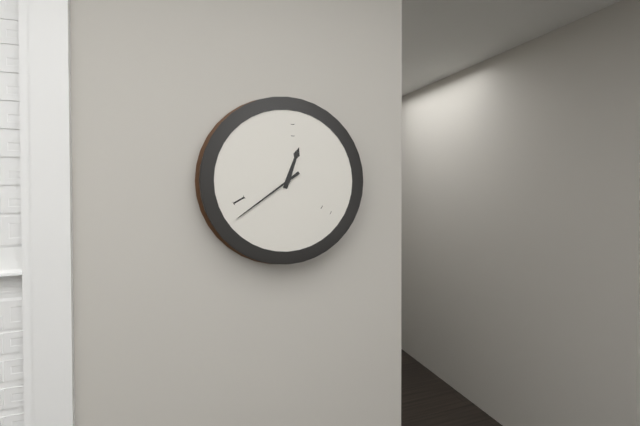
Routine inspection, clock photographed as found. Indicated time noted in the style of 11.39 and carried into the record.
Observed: 12.39
